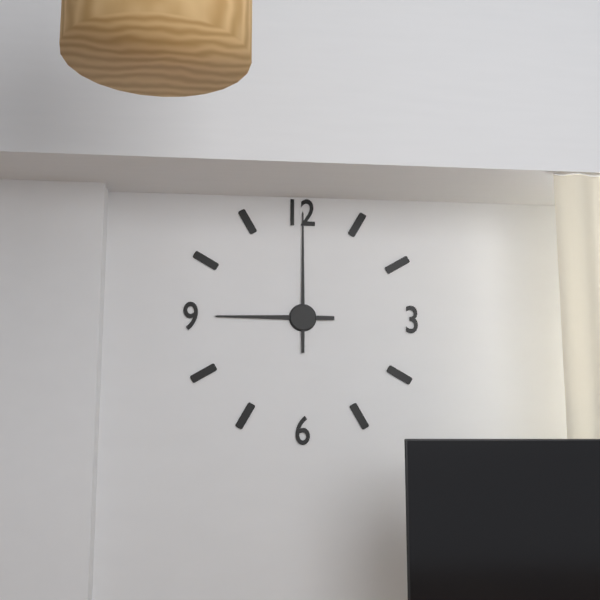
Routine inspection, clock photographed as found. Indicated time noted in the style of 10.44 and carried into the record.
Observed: 9.00
